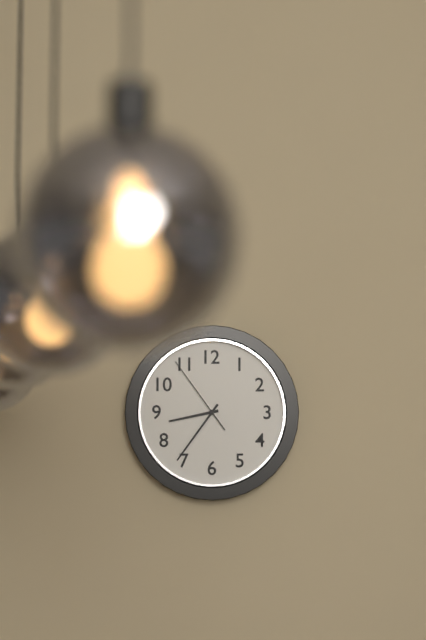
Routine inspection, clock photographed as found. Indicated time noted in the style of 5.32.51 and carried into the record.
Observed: 8.36.54
